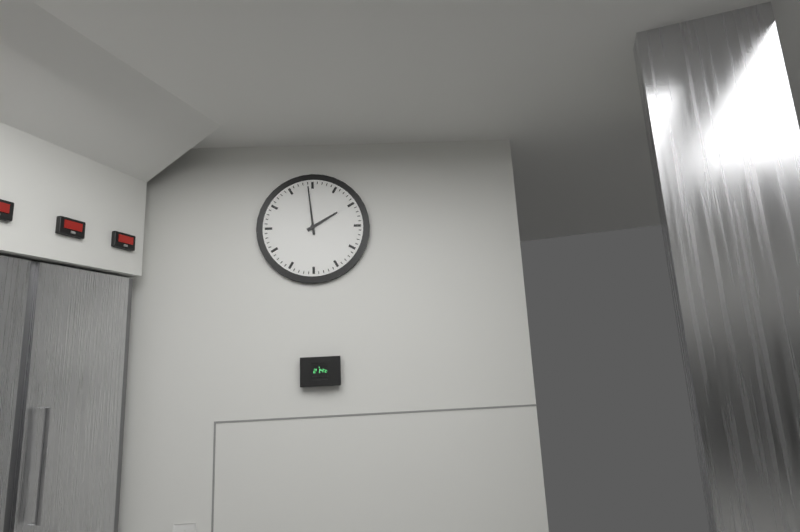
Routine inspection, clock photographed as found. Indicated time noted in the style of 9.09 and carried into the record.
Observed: 1.59
